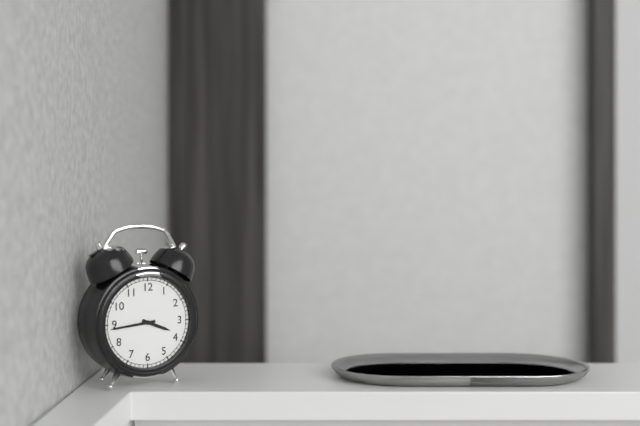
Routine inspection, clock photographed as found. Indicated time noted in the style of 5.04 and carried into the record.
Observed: 3.44
